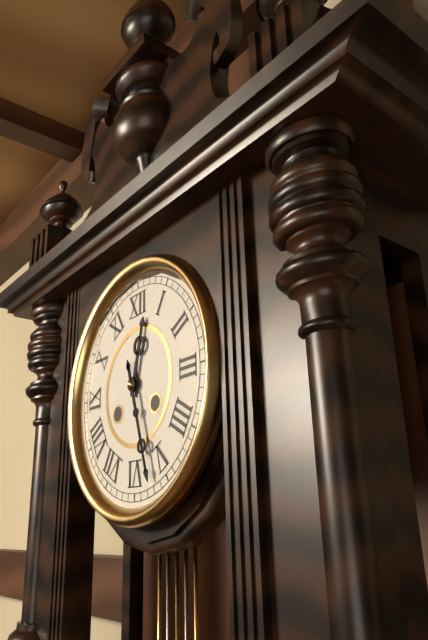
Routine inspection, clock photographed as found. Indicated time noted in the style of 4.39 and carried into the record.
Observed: 12.27
